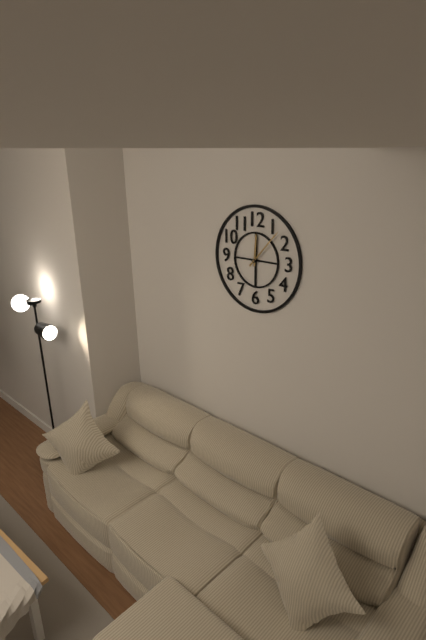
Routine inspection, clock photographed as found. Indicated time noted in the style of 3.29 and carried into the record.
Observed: 12.07
